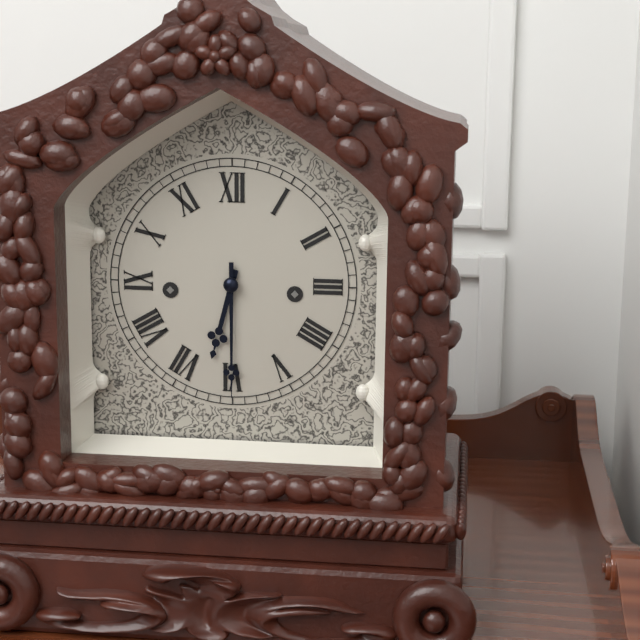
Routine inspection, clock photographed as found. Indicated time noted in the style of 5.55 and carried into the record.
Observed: 6.30
